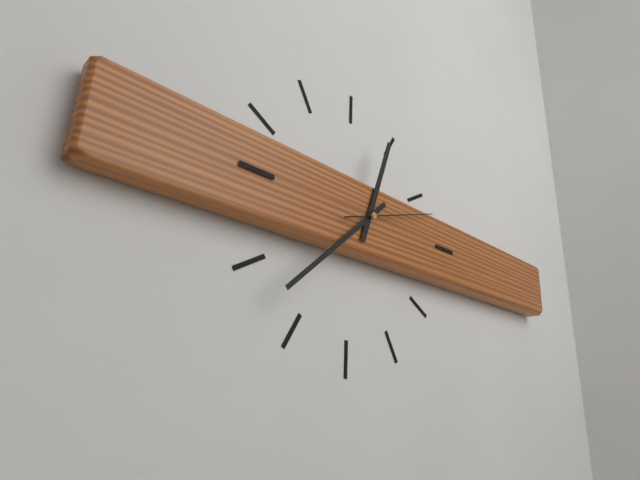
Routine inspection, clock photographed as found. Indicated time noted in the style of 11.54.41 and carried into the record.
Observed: 12.38.12
